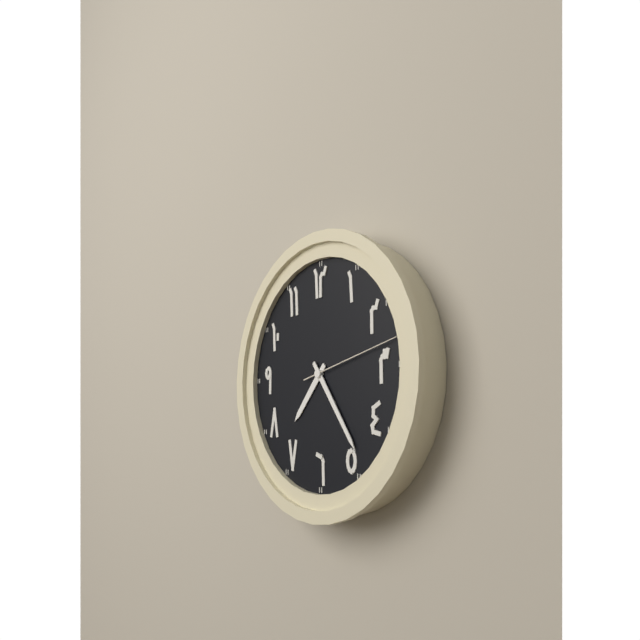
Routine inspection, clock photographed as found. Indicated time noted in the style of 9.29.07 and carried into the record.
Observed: 7.24.13
